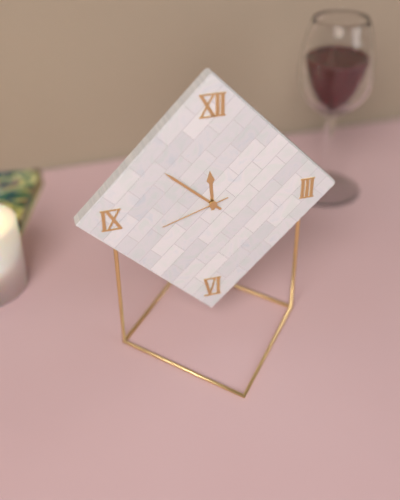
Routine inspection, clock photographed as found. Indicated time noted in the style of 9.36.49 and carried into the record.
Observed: 11.52.42
